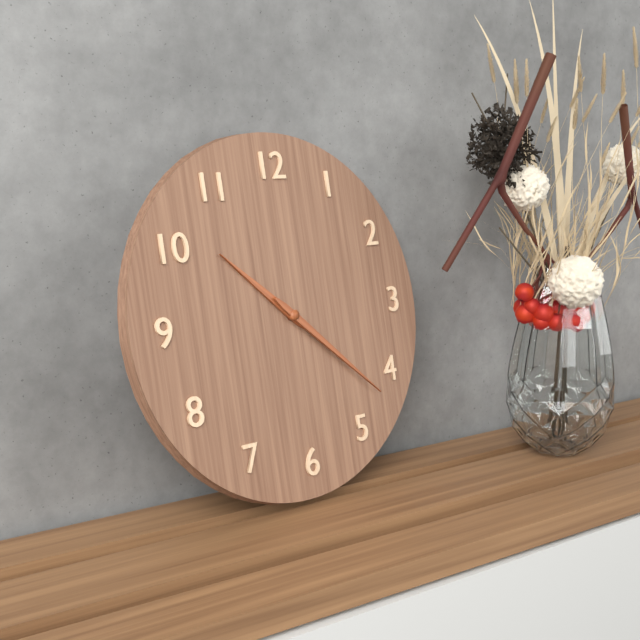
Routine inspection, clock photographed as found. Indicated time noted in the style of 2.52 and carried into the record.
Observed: 10.22
